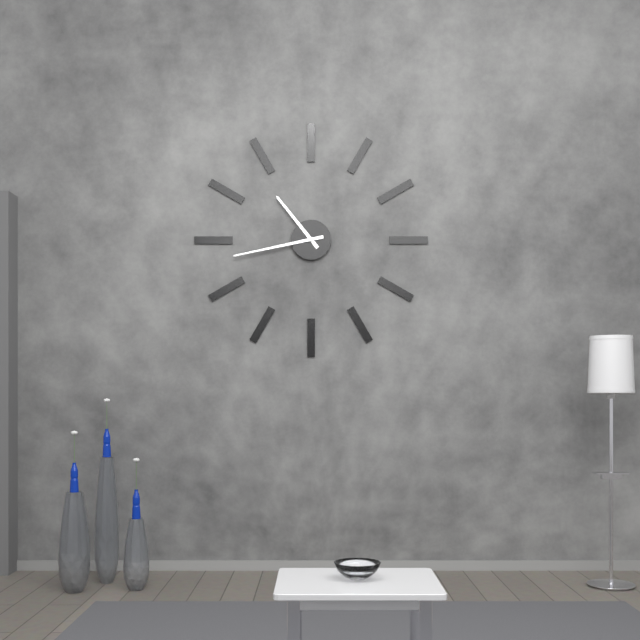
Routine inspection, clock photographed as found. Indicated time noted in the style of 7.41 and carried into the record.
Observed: 10.43
